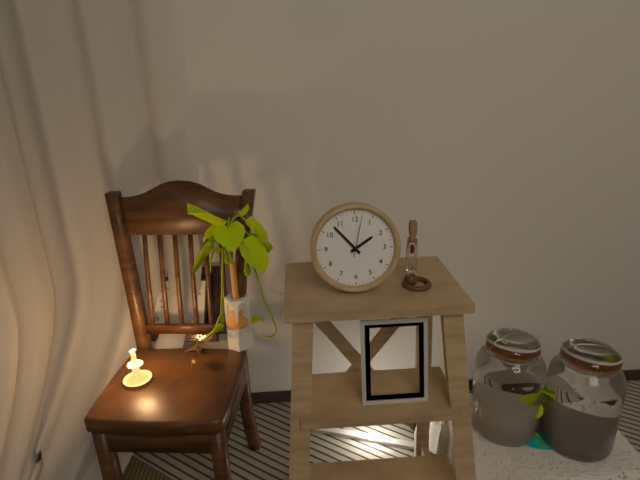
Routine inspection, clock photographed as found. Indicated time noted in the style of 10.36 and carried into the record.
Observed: 1.53
